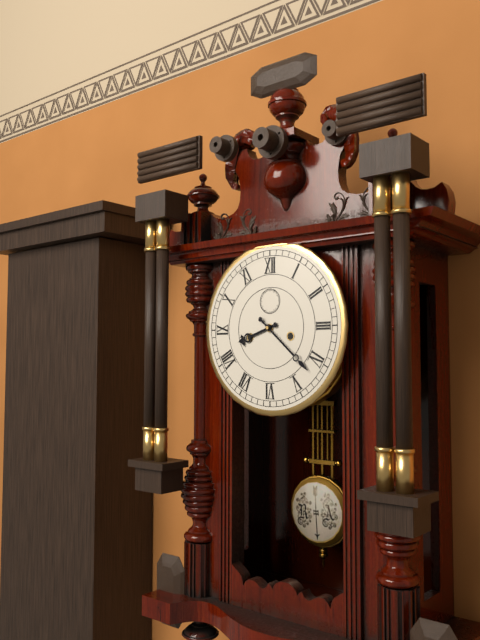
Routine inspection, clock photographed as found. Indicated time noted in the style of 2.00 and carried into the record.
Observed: 8.22
